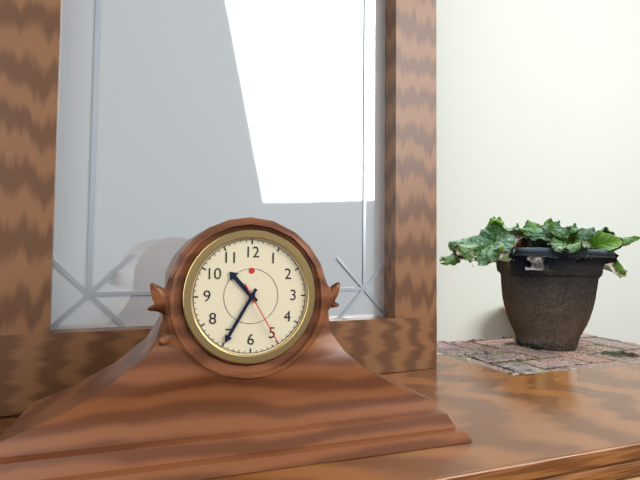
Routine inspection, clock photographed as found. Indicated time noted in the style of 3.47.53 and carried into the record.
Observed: 10.35.25
